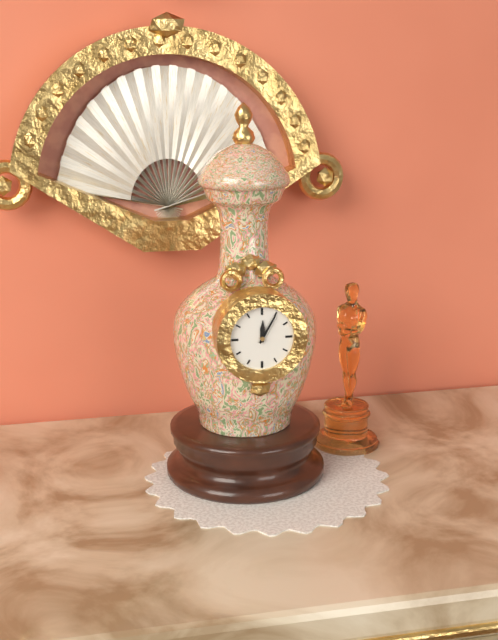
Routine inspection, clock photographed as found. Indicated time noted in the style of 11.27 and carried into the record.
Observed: 12.05
